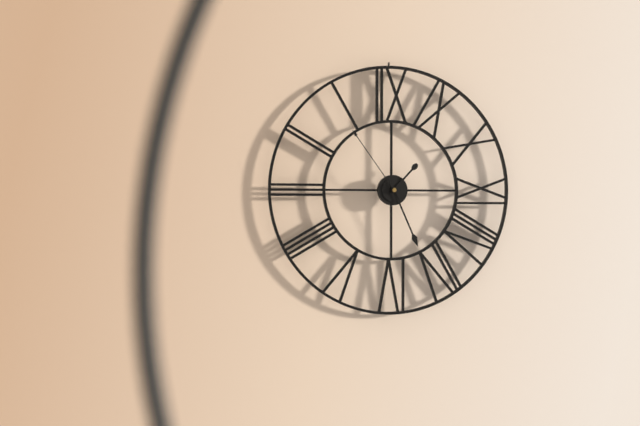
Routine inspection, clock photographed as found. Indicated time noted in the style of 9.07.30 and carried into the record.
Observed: 1.26.54
